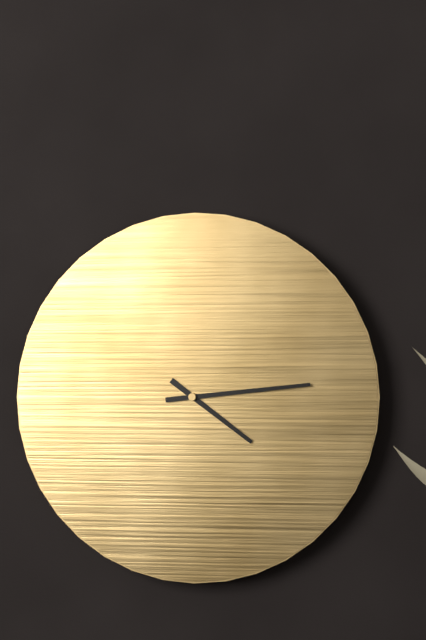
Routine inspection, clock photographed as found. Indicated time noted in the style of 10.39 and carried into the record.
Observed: 4.14
